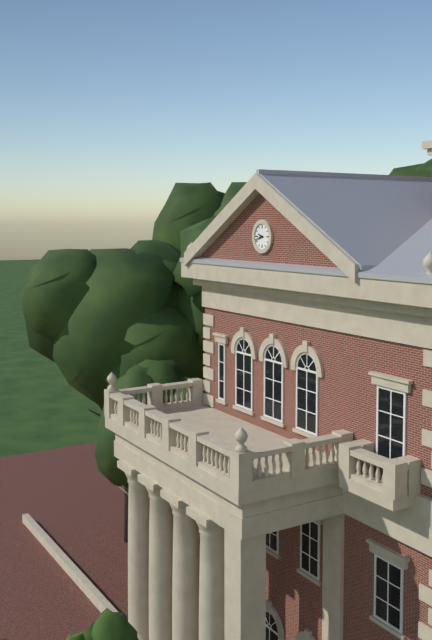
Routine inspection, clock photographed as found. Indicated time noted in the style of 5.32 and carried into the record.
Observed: 9.42
